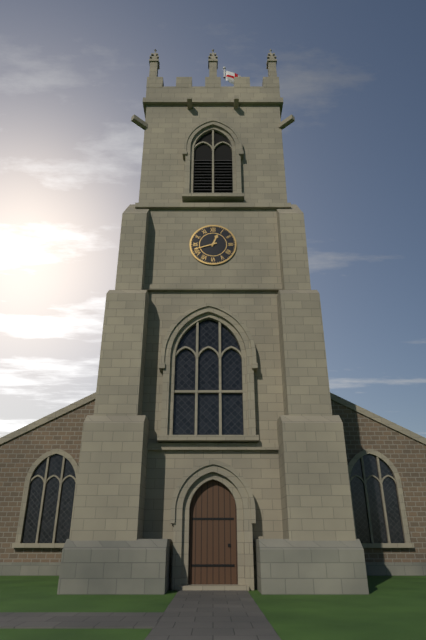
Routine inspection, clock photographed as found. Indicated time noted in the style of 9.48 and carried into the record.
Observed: 12.42
